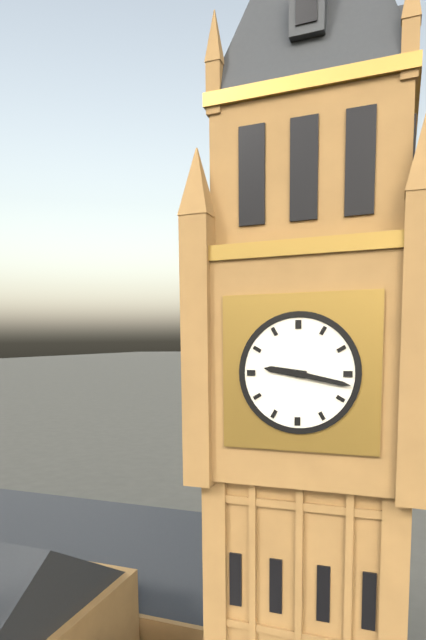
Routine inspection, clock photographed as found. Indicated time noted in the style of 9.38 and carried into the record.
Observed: 9.17
